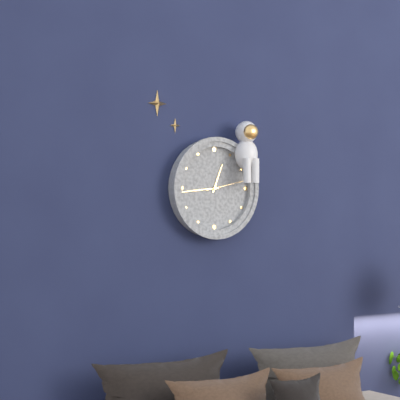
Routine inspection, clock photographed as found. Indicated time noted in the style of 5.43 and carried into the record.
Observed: 12.44
